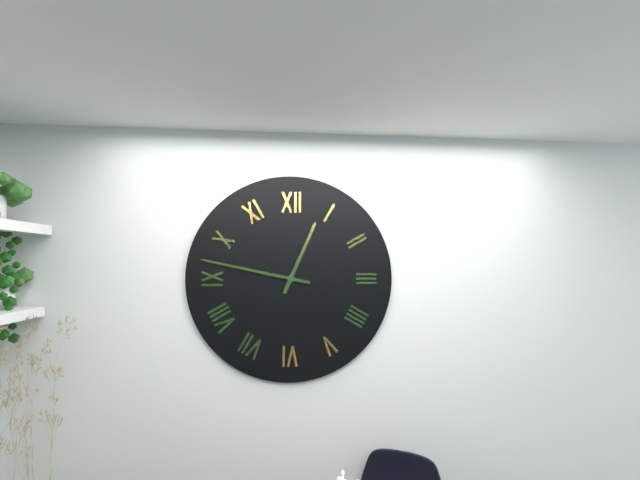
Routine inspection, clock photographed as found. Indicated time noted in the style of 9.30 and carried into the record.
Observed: 12.47
